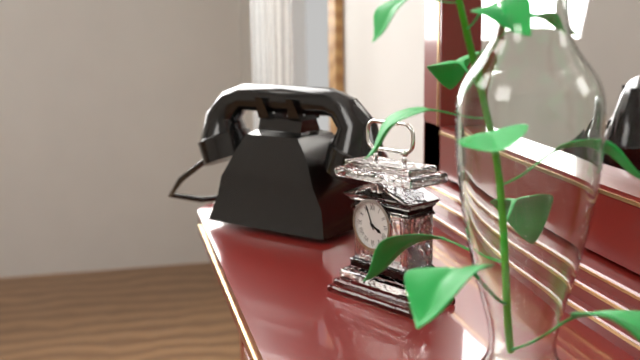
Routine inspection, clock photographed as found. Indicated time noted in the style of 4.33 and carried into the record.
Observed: 3.56
